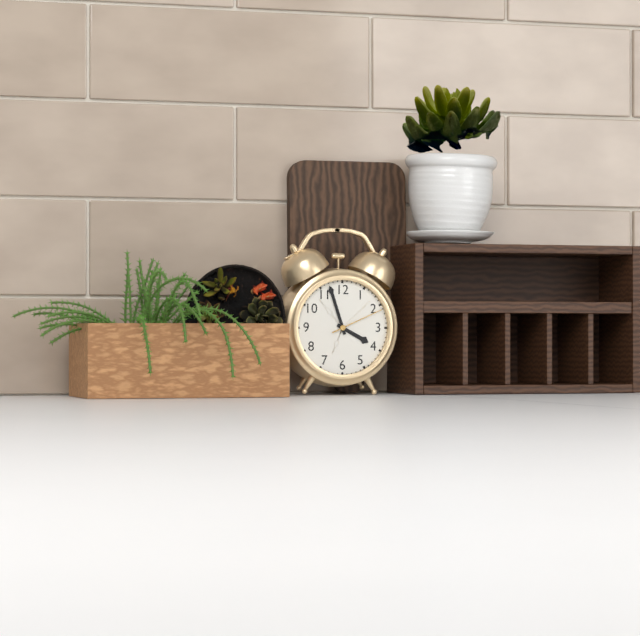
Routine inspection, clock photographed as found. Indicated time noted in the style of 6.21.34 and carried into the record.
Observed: 3.57.11
